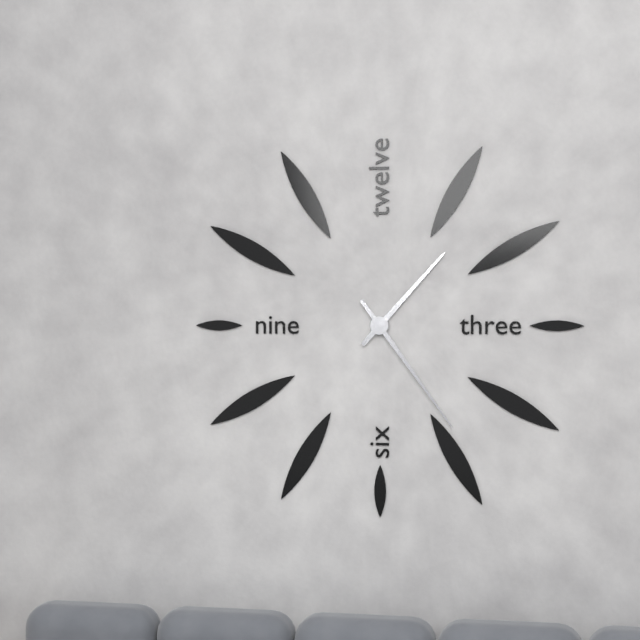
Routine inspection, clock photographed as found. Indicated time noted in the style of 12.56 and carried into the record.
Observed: 1.24
